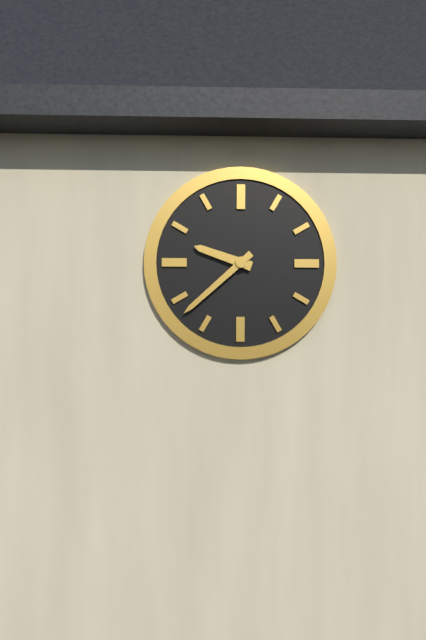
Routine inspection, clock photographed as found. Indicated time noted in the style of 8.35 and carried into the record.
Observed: 9.38
